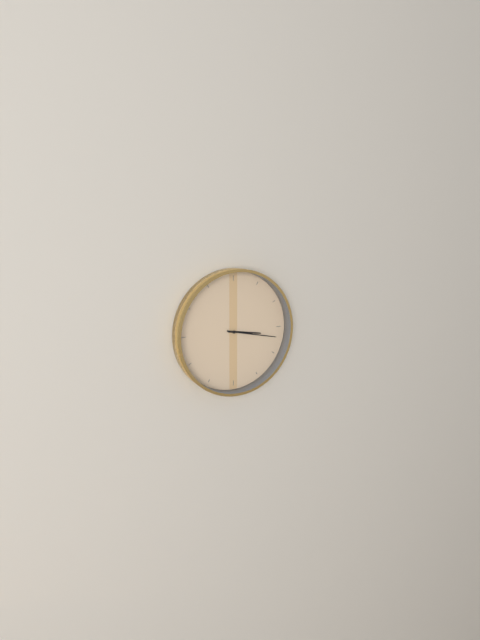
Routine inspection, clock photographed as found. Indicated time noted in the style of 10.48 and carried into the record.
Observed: 3.17
